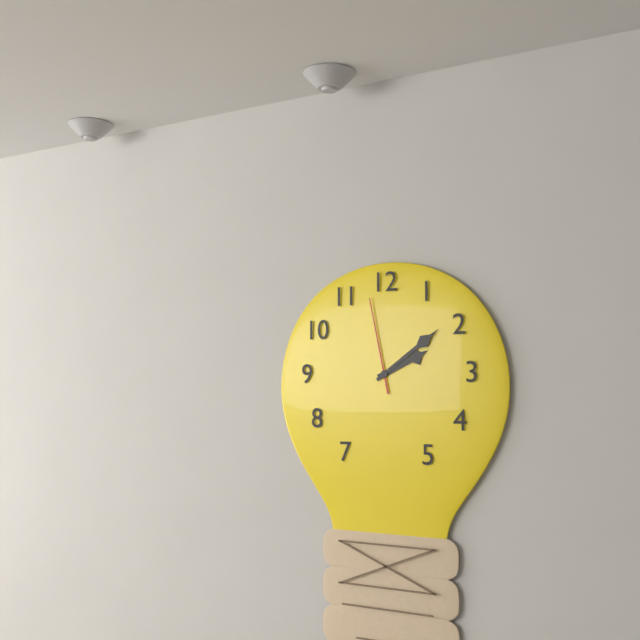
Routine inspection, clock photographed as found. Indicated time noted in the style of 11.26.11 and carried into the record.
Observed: 2.09.58
